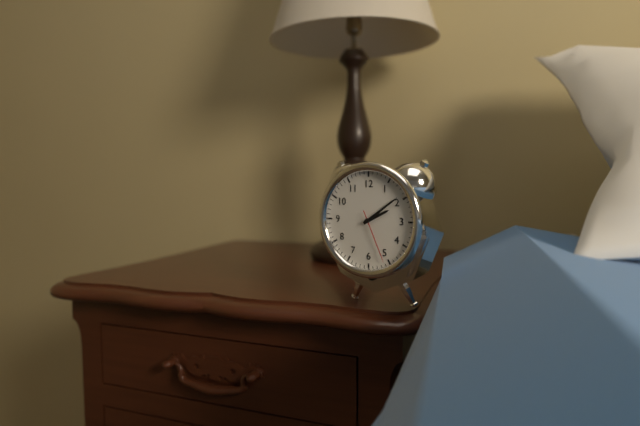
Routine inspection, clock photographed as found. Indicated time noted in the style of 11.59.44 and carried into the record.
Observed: 2.09.26
